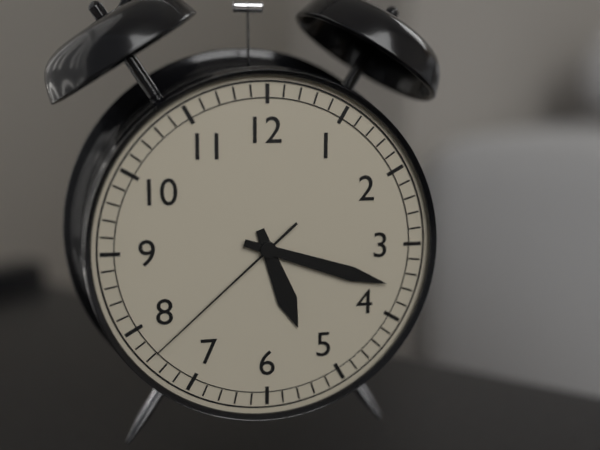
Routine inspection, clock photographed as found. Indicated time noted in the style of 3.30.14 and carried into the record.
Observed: 5.18.38
